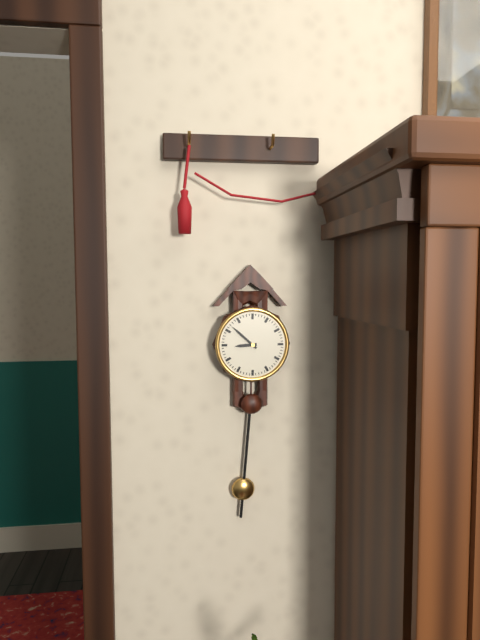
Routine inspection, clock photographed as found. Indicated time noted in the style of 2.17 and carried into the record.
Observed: 8.52
